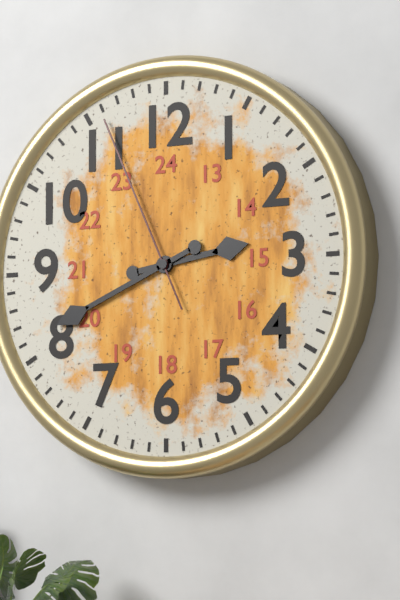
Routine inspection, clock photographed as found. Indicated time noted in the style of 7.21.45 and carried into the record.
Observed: 2.41.56
